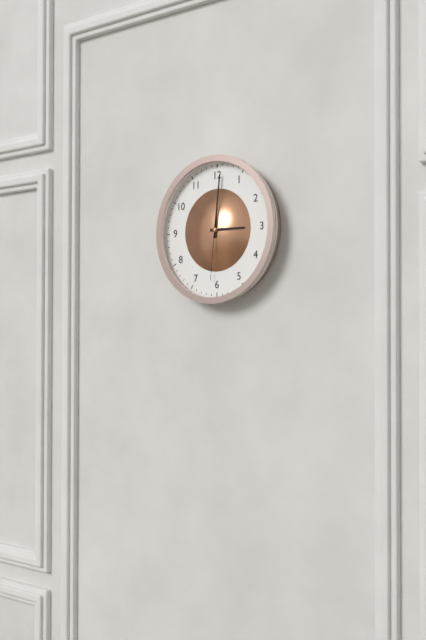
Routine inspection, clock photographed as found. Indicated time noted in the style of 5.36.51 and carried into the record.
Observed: 3.01.31
